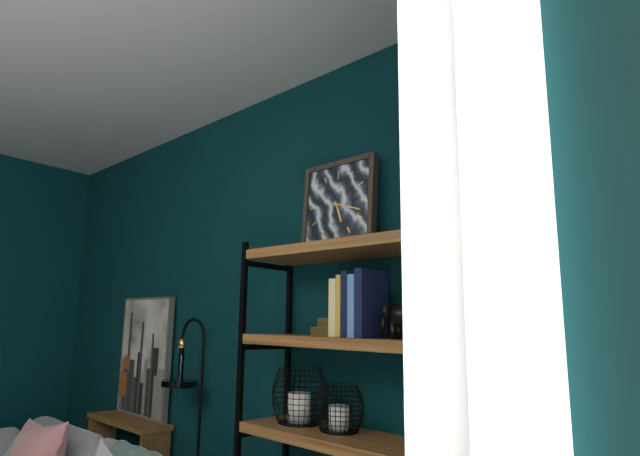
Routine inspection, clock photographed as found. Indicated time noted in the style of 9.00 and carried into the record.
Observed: 5.18
